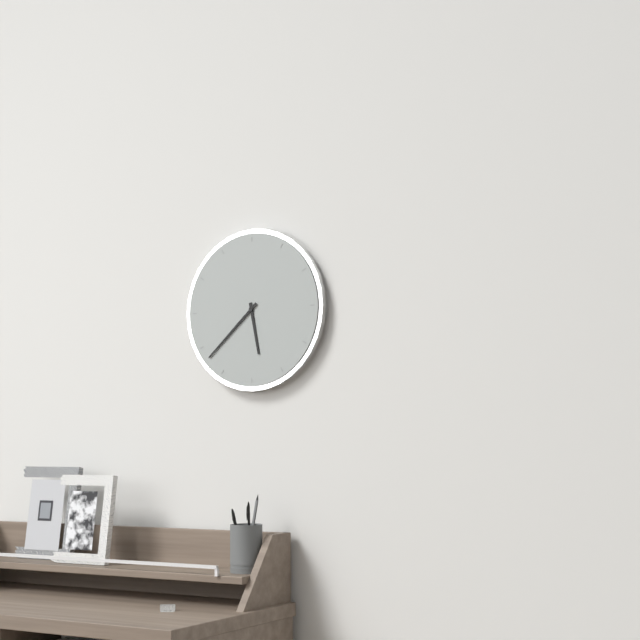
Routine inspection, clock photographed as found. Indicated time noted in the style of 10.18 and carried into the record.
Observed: 5.38
